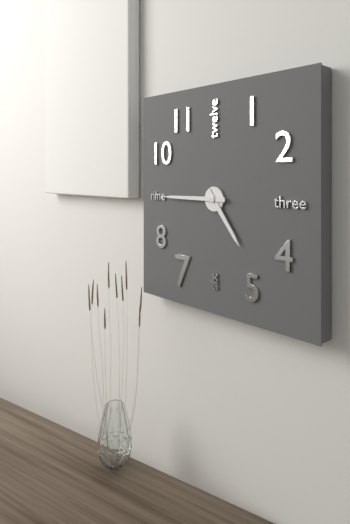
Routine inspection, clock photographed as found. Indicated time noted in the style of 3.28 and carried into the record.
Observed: 4.45
